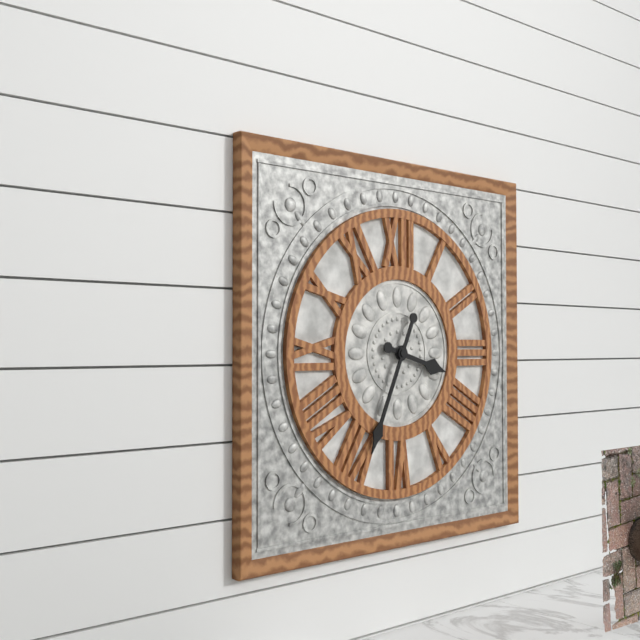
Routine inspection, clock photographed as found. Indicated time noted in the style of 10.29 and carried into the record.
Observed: 3.34
